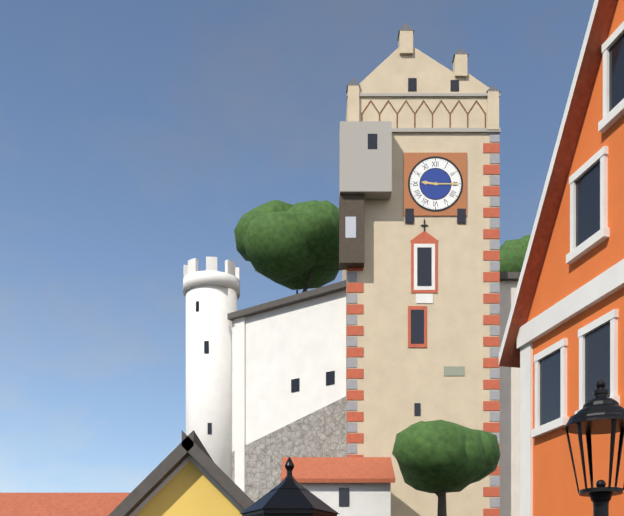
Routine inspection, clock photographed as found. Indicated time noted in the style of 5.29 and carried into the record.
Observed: 9.15
